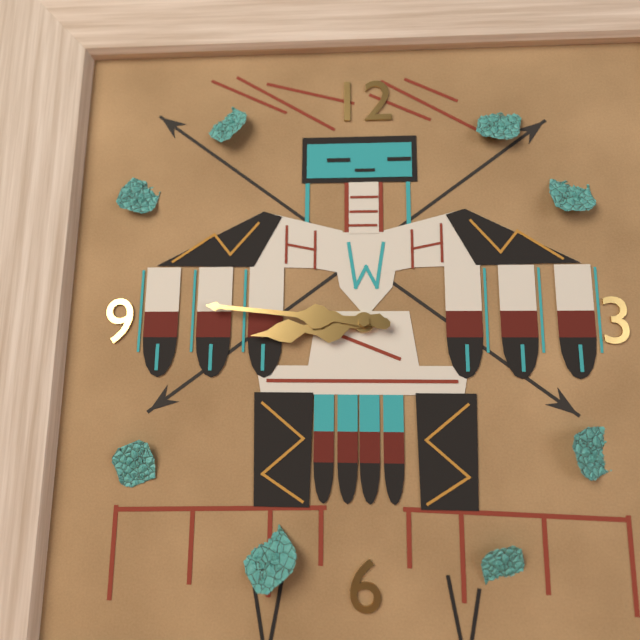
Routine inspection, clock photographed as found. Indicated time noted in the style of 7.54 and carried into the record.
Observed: 8.46
